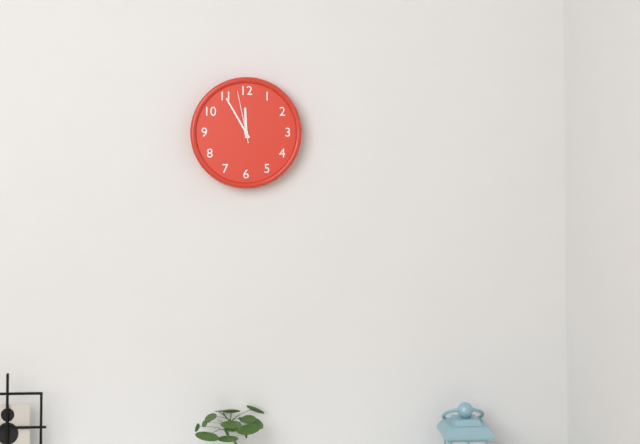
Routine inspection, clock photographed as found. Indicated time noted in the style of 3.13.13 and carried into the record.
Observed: 11.55.58
